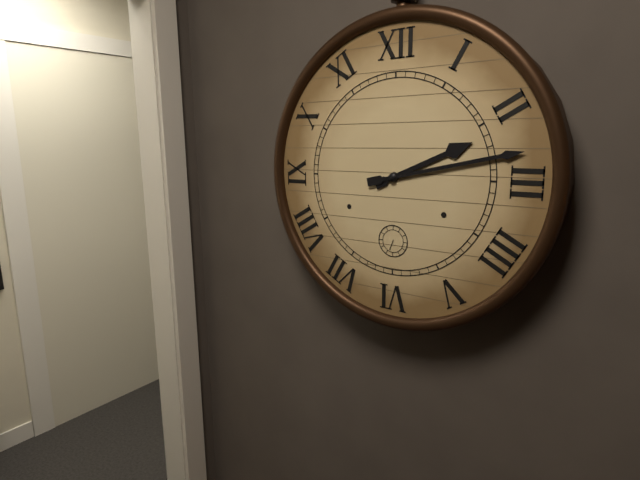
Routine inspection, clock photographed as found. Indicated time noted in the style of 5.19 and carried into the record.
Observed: 2.13
